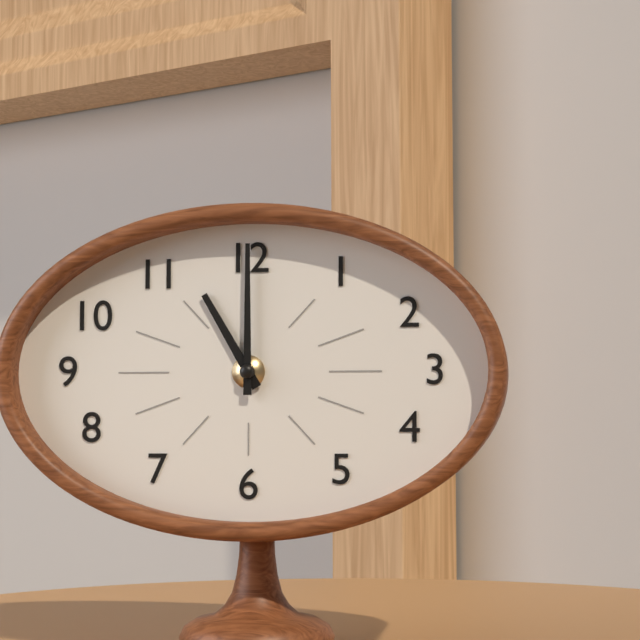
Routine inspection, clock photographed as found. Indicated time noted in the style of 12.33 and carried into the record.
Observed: 11.00
